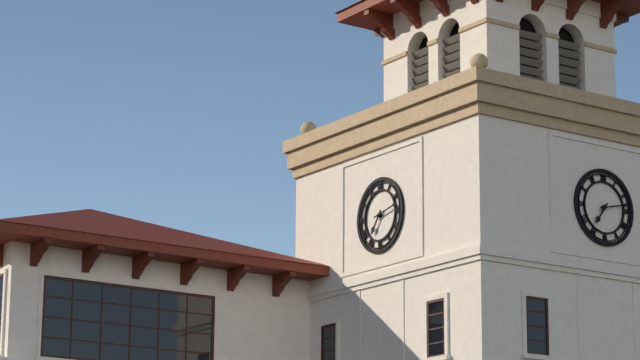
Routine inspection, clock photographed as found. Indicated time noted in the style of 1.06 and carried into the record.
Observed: 7.13
